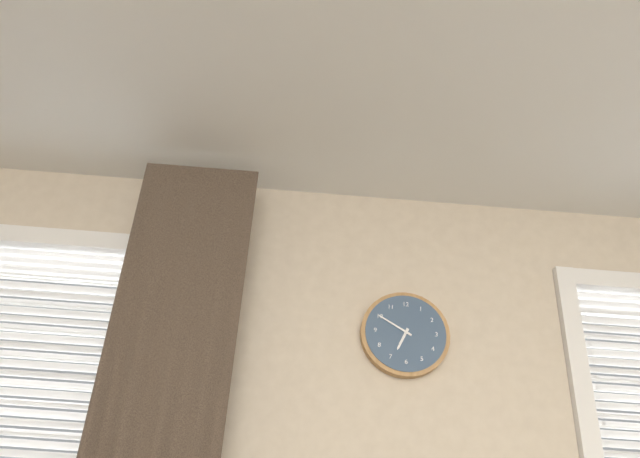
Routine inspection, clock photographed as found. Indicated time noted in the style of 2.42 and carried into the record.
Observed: 6.50
